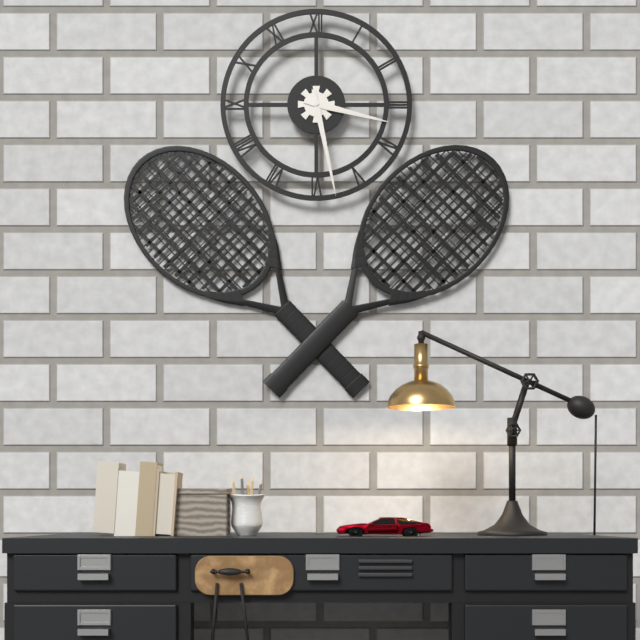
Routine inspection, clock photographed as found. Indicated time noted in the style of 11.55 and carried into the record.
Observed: 3.28
